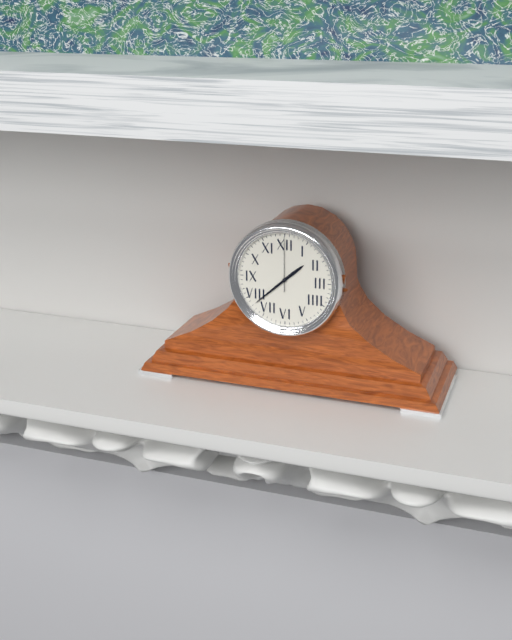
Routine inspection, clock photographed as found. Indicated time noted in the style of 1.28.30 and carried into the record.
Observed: 1.38.00
